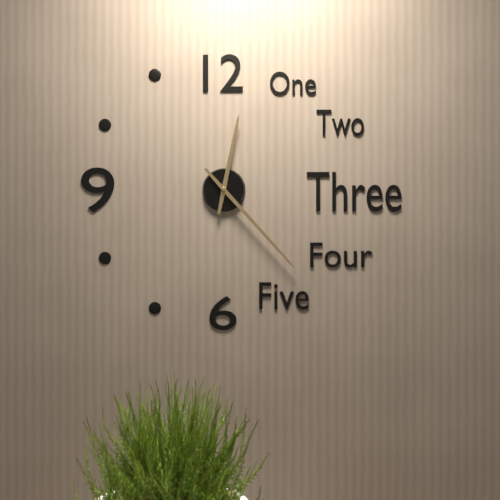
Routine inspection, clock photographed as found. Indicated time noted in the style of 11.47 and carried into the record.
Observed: 12.23
